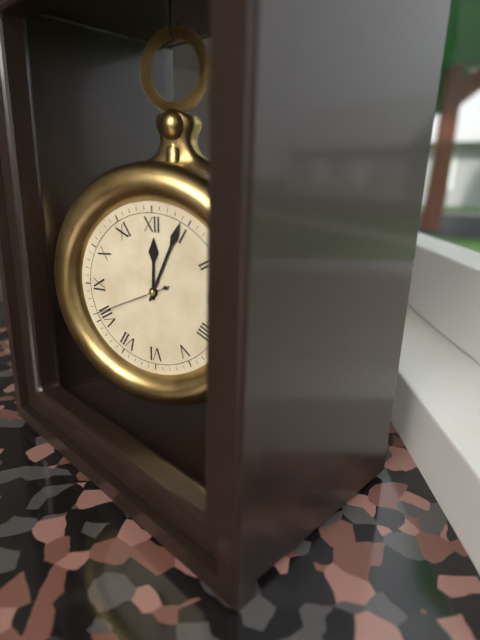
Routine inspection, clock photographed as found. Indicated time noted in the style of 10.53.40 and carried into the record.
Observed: 12.04.41
